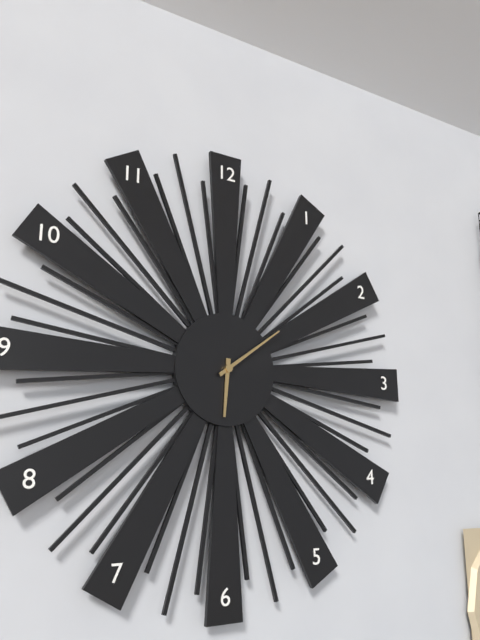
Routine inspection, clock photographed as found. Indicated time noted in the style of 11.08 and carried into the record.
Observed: 6.09
